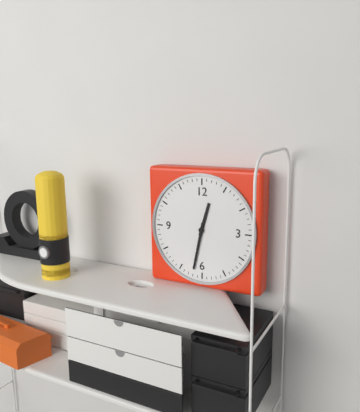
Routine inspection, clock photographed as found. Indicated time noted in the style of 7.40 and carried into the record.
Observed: 12.32
